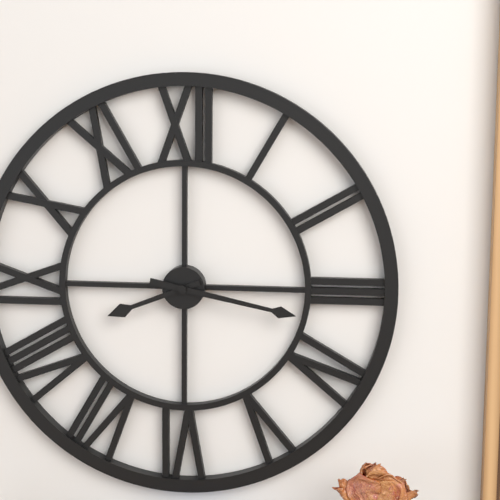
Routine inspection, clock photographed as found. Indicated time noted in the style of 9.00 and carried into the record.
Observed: 8.17
